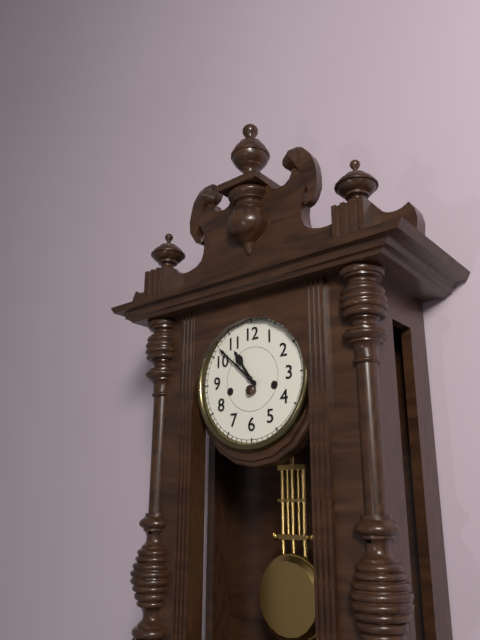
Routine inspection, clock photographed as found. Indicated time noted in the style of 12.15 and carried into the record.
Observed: 10.52
